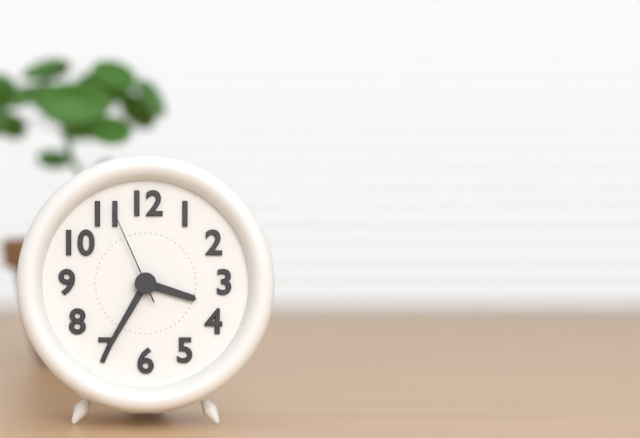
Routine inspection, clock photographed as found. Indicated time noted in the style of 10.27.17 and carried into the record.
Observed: 3.35.56
